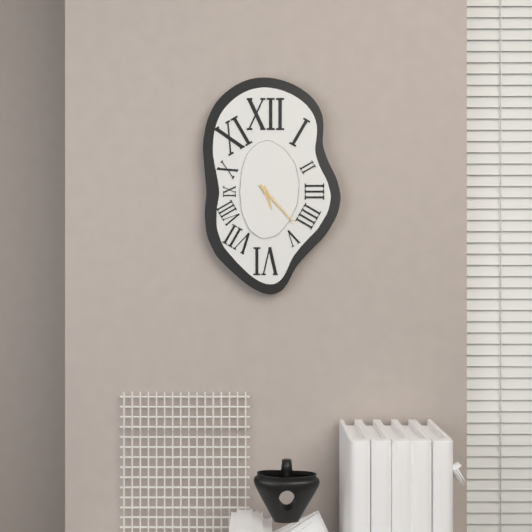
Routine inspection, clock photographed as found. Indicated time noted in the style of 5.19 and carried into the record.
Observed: 5.23
